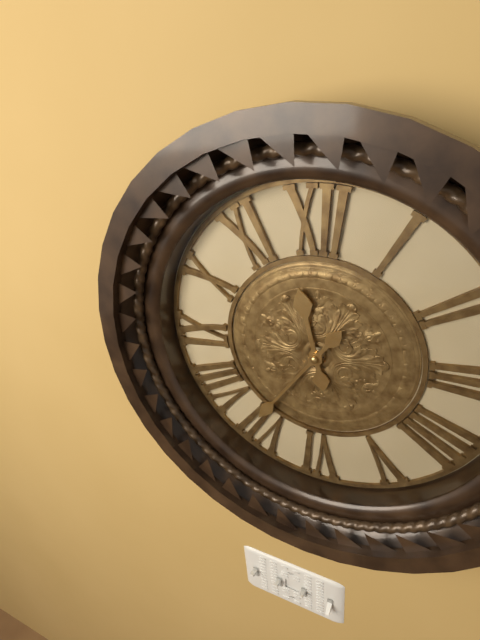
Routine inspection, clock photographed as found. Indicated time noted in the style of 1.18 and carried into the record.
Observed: 11.36
